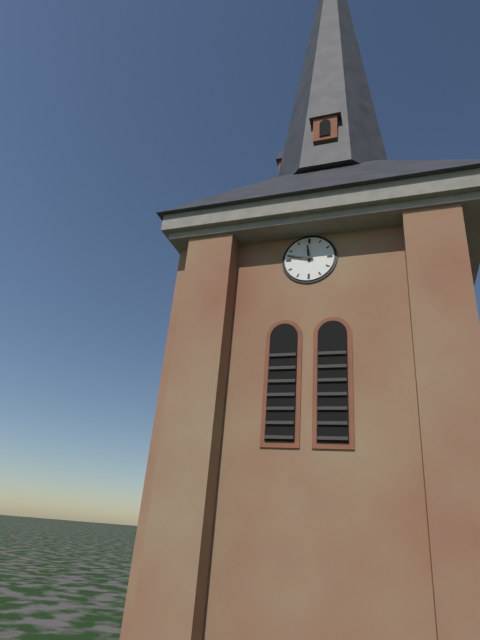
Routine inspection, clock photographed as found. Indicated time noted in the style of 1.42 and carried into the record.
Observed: 11.47
